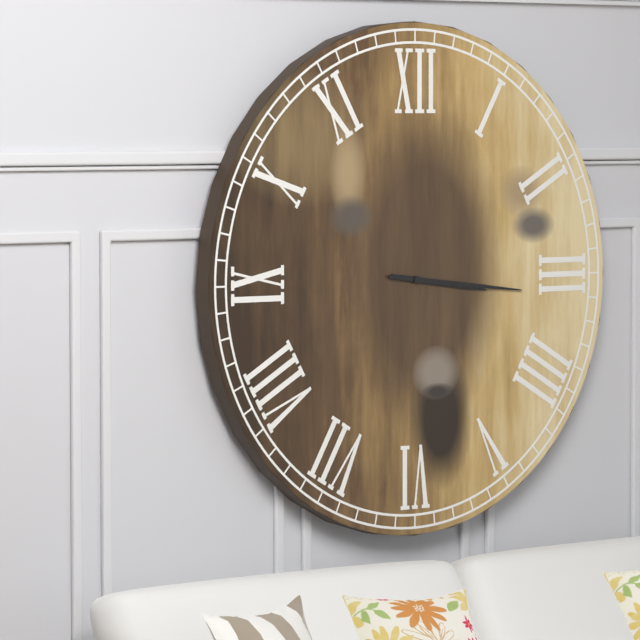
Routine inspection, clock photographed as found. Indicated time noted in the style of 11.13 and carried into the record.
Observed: 3.16
